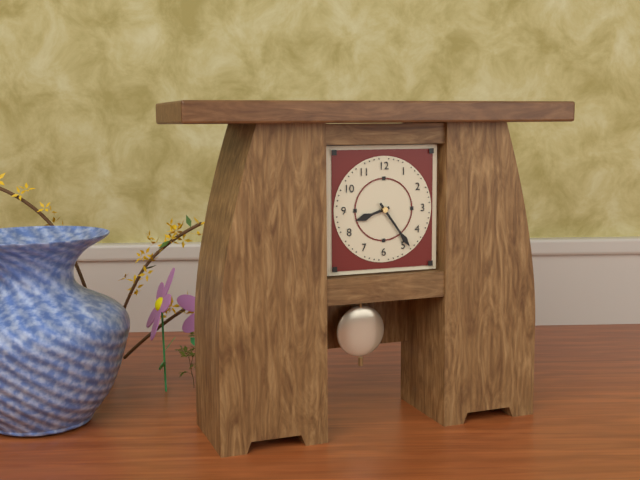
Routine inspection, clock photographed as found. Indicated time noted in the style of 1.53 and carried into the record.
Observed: 8.24
